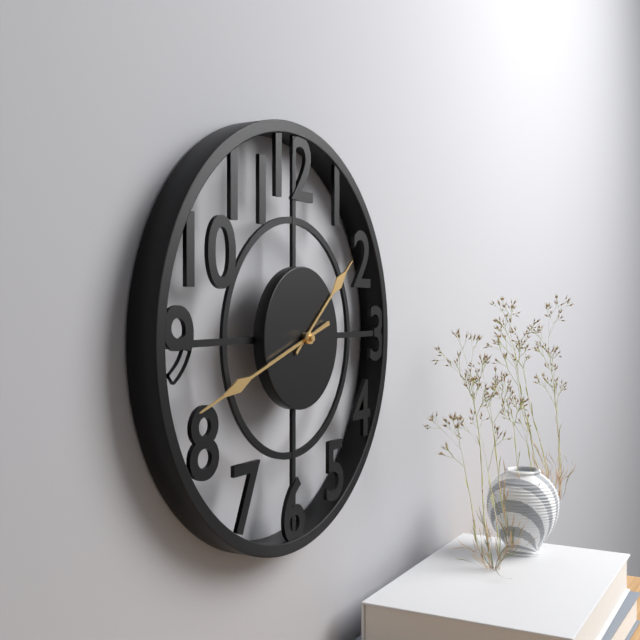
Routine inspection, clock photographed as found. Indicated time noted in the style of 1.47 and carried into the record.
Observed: 1.42
